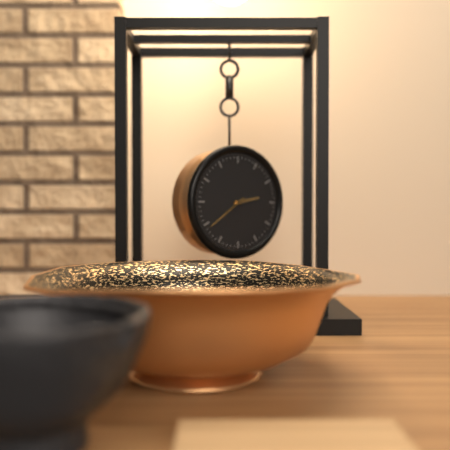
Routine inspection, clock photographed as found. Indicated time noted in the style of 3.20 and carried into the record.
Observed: 2.39
